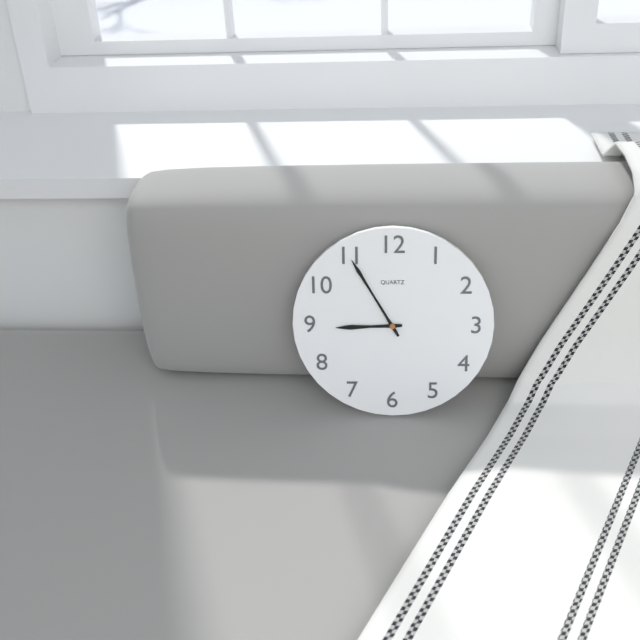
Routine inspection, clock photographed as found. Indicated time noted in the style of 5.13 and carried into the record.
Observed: 8.55
